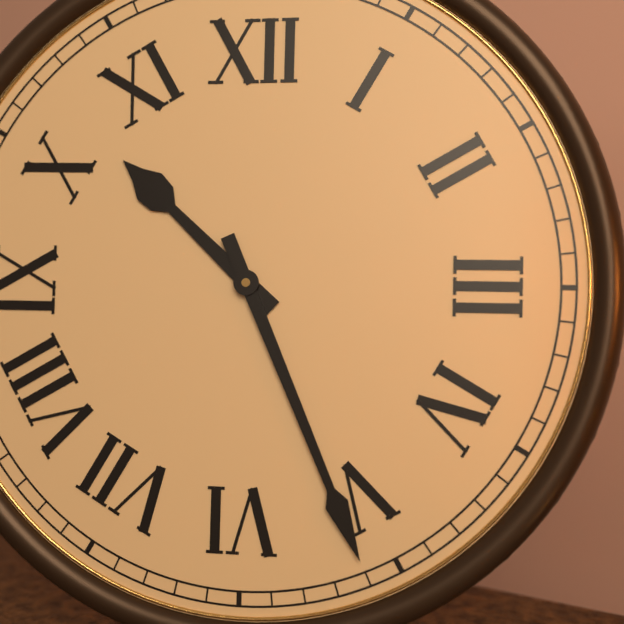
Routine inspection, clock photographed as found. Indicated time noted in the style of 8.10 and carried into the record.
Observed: 10.26
